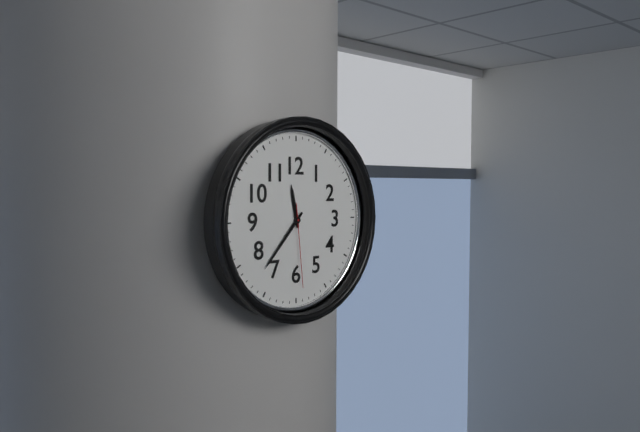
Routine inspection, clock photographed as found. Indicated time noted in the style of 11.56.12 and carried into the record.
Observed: 11.37.29
